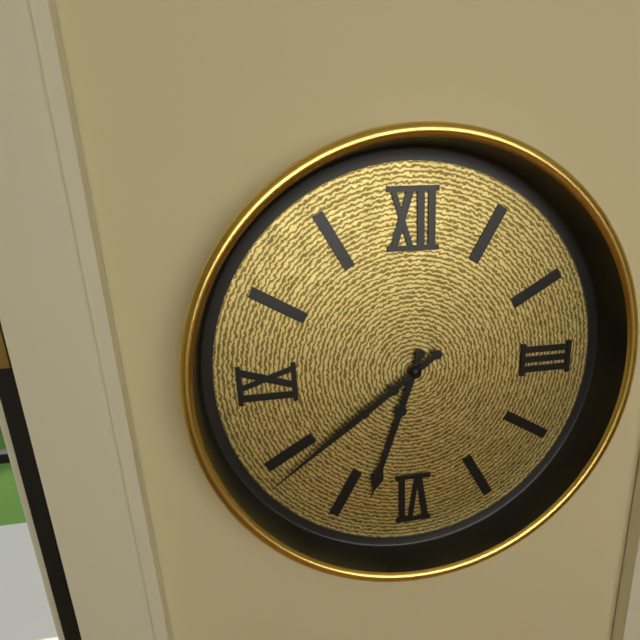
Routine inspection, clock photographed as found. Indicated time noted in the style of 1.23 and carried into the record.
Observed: 6.39
